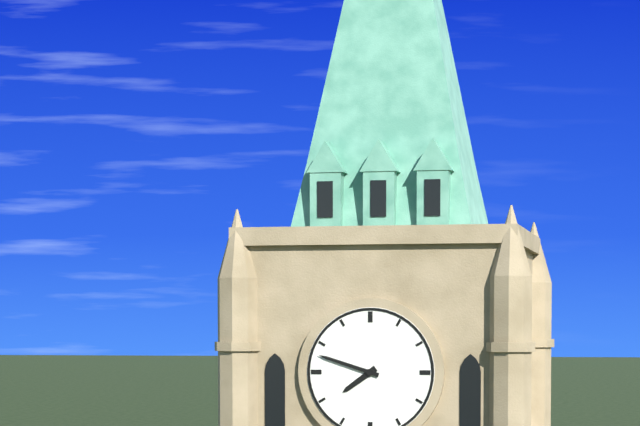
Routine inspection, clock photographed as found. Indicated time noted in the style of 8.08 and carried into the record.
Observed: 7.48
